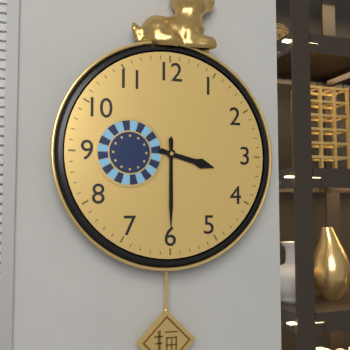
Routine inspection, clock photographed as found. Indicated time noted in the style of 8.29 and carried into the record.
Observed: 3.30
